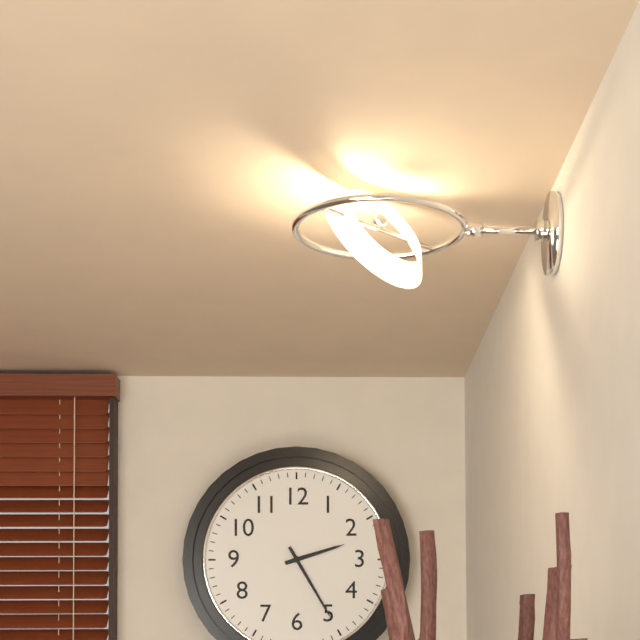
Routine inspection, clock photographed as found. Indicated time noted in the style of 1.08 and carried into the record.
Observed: 2.25
